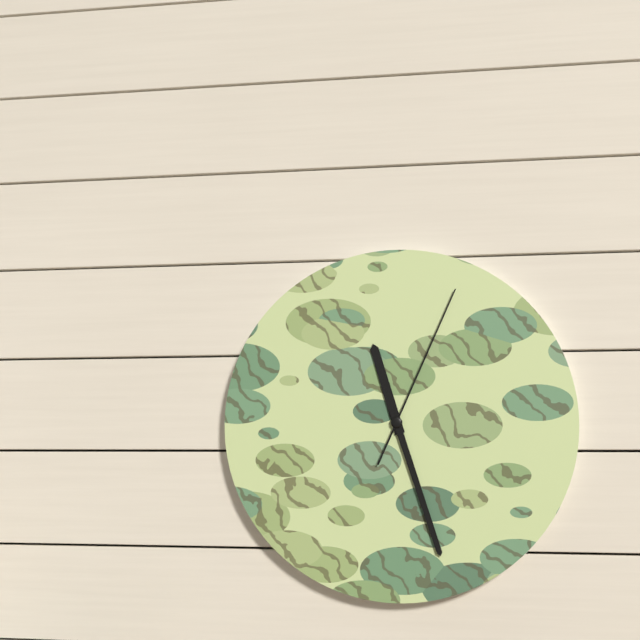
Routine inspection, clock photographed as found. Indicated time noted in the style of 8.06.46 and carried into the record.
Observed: 11.27.04
